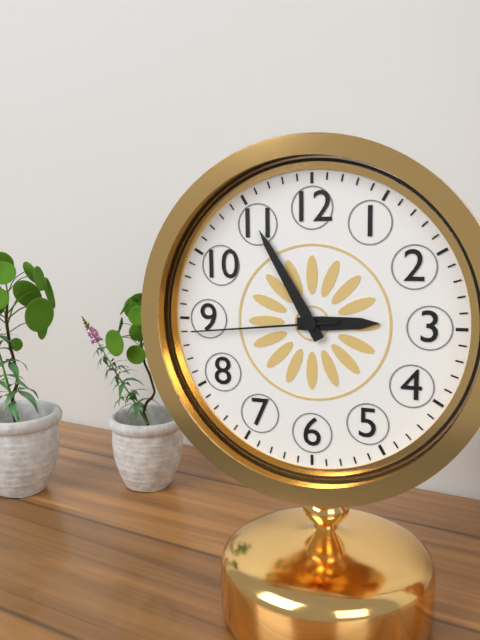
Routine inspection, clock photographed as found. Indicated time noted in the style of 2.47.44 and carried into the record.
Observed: 2.55.44
